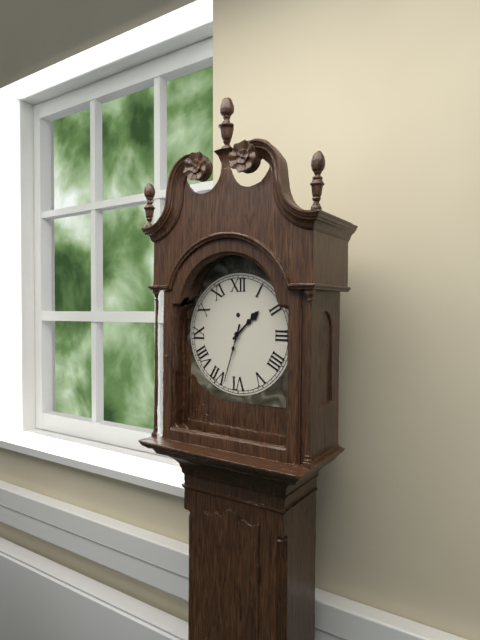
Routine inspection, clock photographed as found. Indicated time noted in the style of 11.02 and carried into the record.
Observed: 1.33
